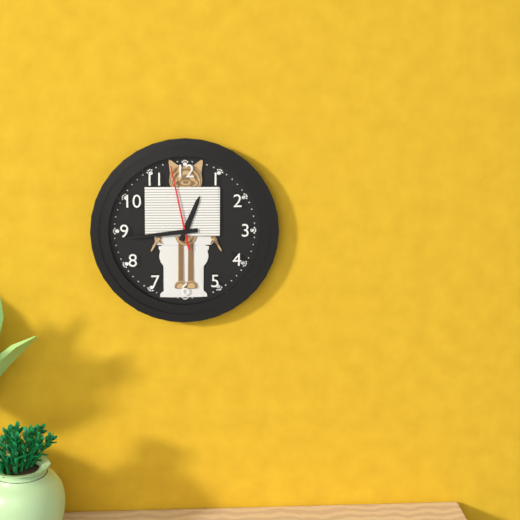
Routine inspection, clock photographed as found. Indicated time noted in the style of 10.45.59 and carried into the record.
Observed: 12.44.58
